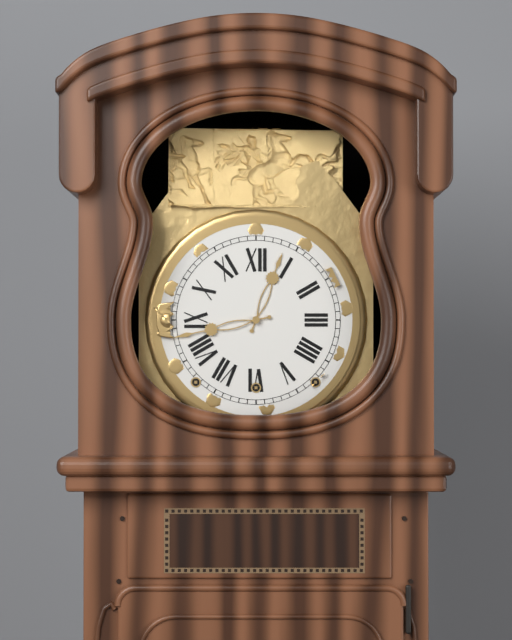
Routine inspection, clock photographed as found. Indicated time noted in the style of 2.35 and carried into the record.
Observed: 12.43
